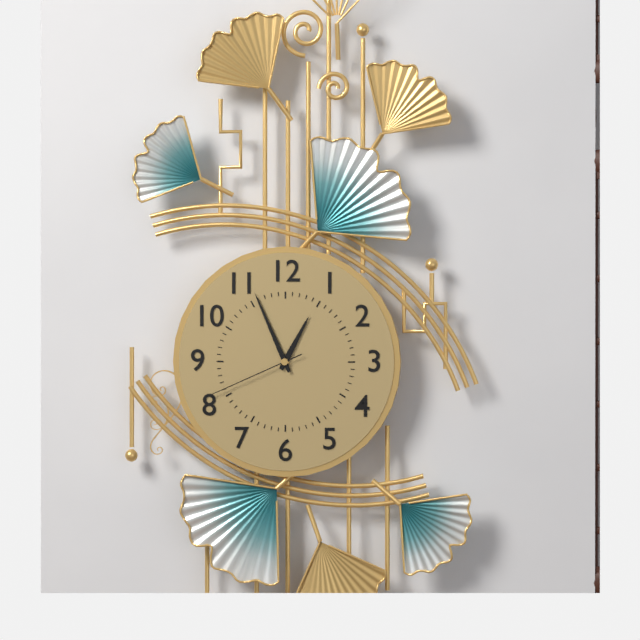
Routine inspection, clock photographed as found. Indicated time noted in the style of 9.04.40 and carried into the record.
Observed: 12.56.41
